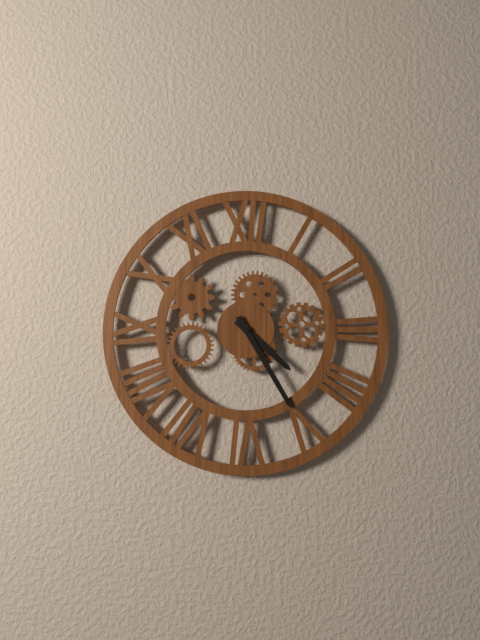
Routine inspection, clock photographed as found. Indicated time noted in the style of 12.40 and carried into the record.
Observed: 4.25
